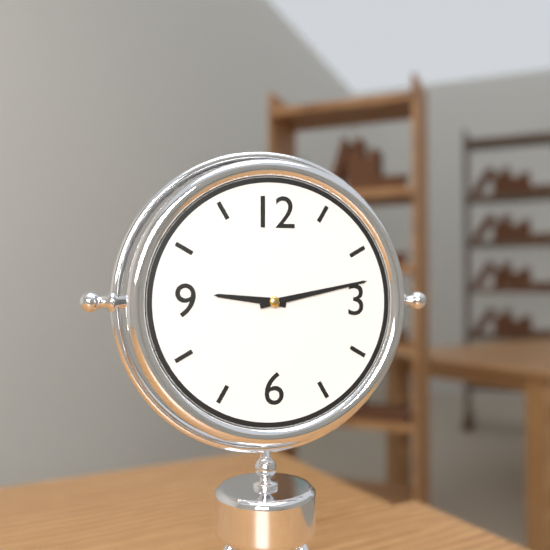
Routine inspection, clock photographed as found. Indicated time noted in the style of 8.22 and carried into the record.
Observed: 9.13
